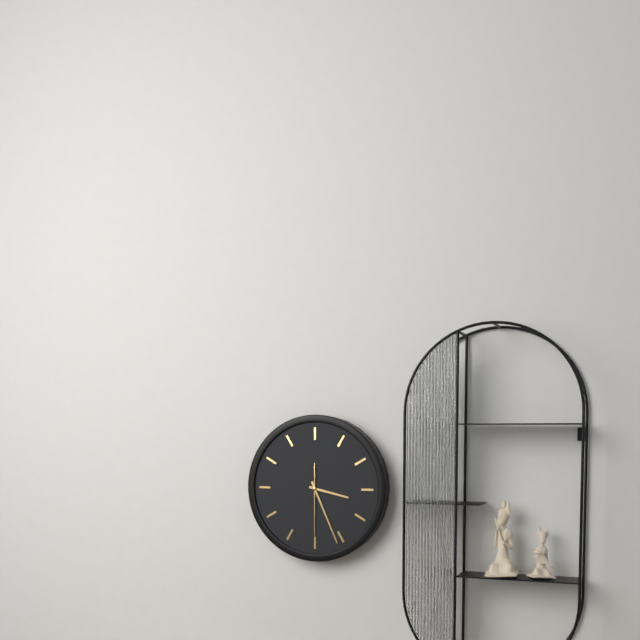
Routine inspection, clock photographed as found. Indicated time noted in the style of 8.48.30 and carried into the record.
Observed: 3.26.30
